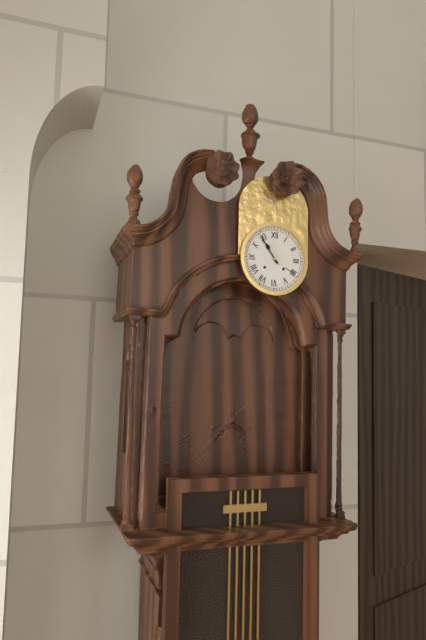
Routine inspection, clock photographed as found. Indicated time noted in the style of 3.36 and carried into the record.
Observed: 10.54
